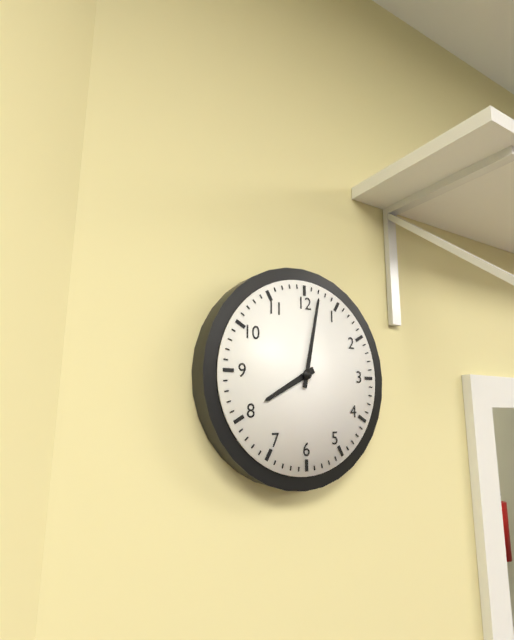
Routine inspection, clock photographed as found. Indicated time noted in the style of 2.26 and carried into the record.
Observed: 8.02
